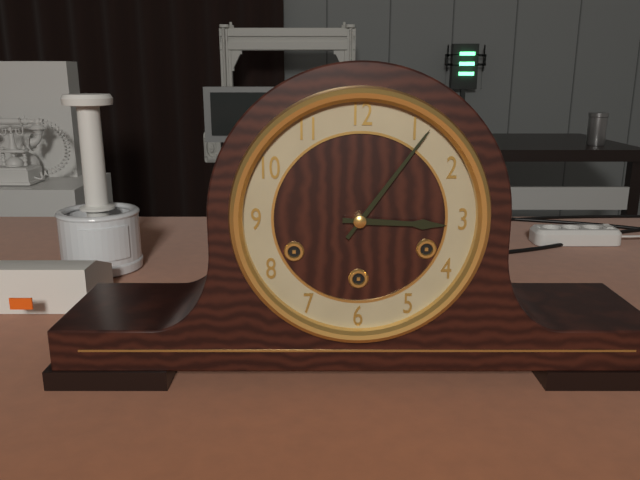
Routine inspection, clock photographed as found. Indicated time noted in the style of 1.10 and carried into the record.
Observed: 3.06
